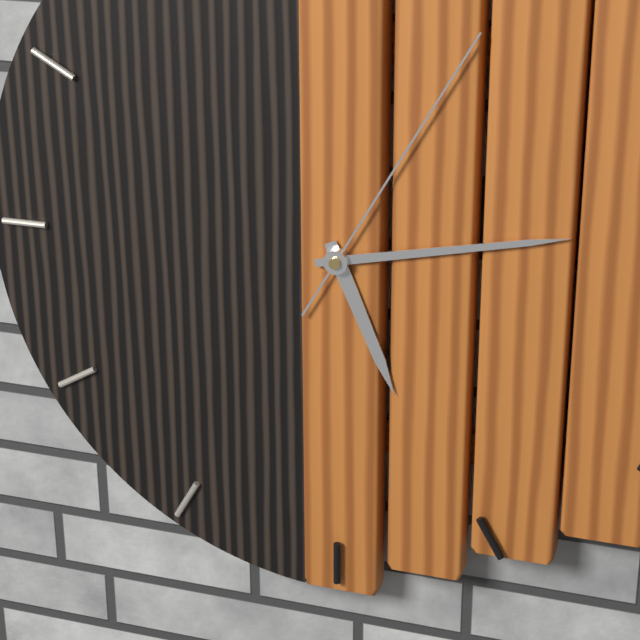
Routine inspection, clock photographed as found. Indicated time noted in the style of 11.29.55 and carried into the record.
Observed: 5.13.05
